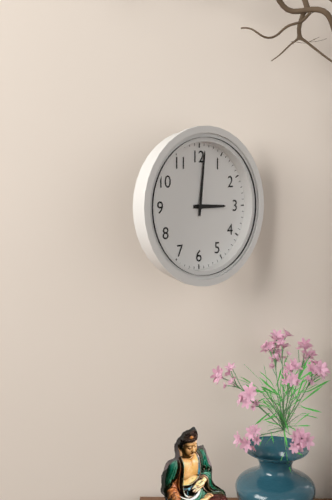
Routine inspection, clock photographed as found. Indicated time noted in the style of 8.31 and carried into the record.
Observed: 3.01
